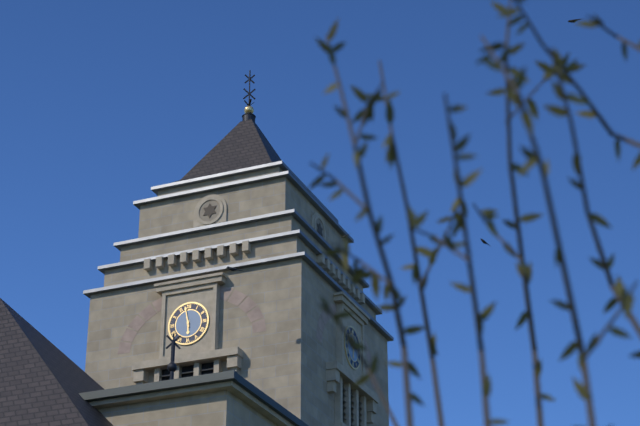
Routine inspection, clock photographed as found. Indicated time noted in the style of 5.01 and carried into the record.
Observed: 5.58
